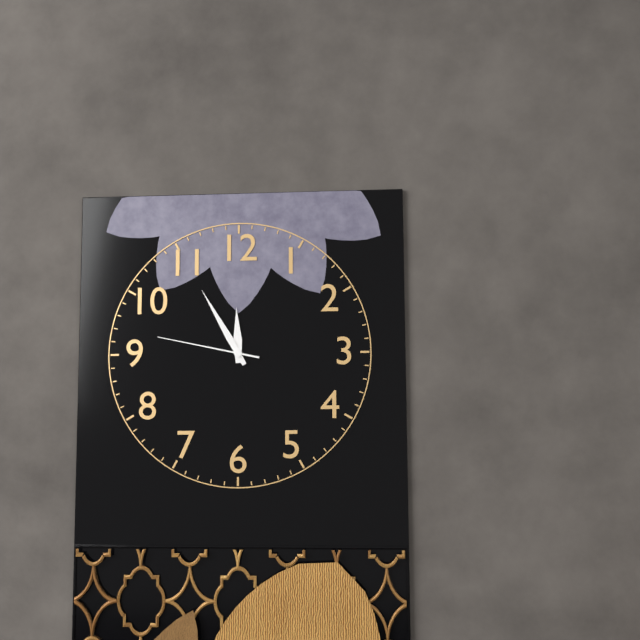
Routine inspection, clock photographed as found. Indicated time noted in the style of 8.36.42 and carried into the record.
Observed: 11.55.47
